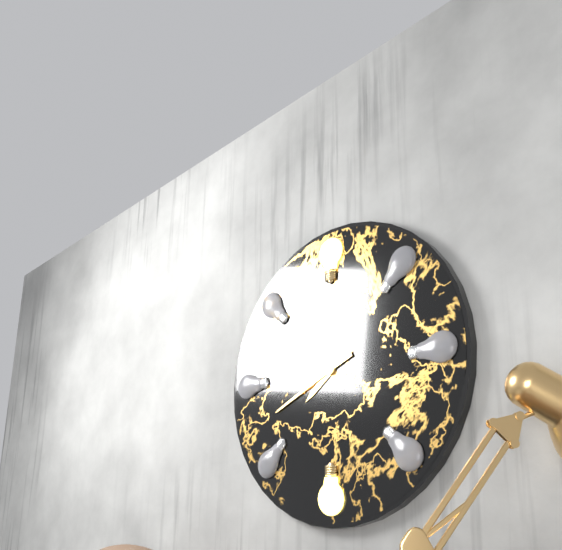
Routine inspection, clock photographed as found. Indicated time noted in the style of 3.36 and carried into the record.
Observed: 7.41
